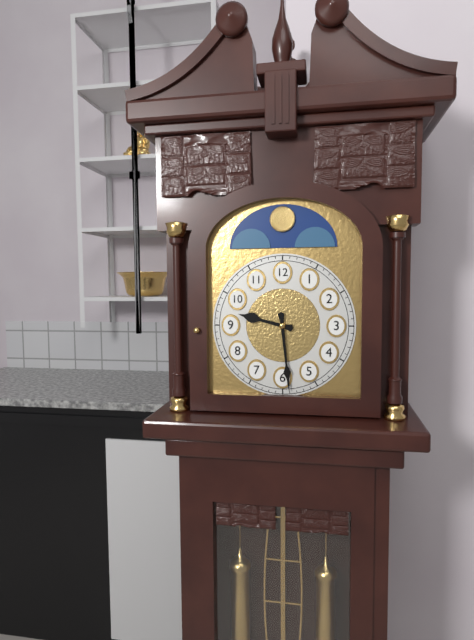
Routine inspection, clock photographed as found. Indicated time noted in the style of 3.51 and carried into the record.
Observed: 9.29
